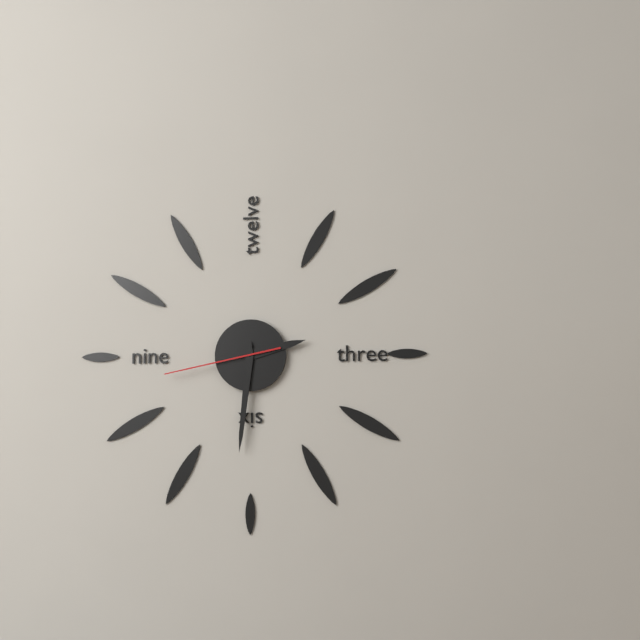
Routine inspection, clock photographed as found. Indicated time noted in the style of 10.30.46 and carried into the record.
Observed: 2.31.43
